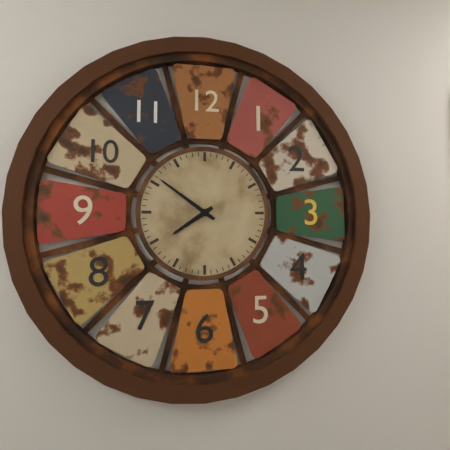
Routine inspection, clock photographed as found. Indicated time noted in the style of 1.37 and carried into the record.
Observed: 7.51
